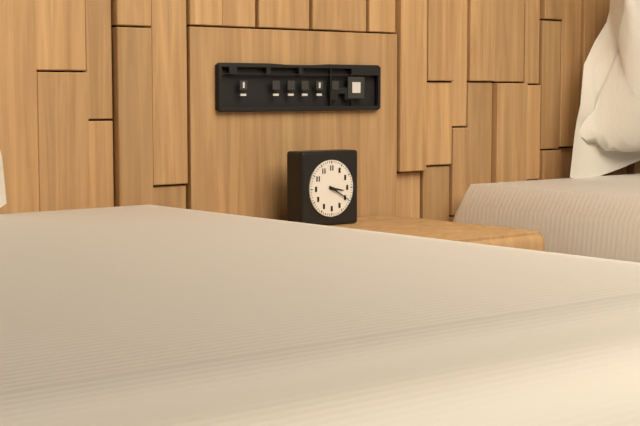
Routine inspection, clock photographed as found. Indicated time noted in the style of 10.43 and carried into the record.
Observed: 3.20
